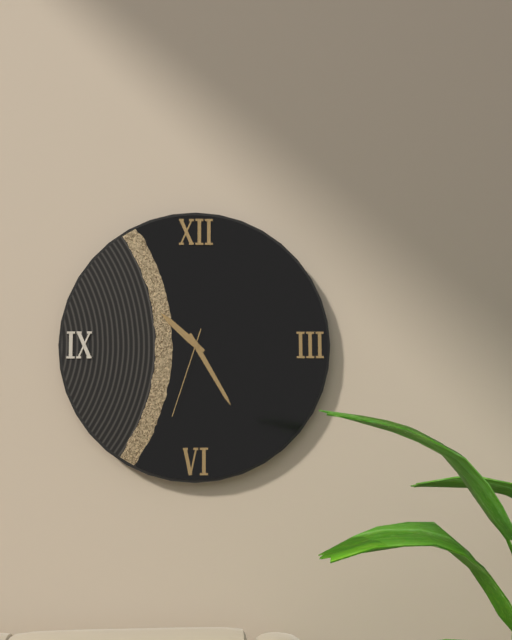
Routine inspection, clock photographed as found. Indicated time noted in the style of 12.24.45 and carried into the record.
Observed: 10.25.33
